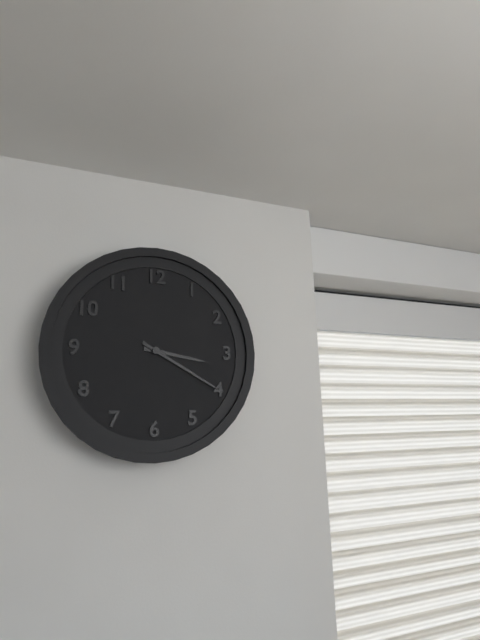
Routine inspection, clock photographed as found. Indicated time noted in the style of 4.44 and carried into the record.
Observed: 3.20
